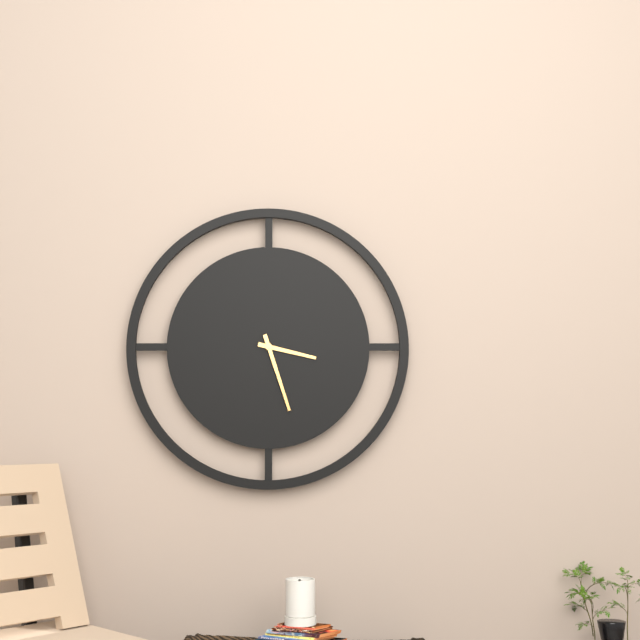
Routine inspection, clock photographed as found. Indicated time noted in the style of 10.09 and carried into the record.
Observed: 3.27
